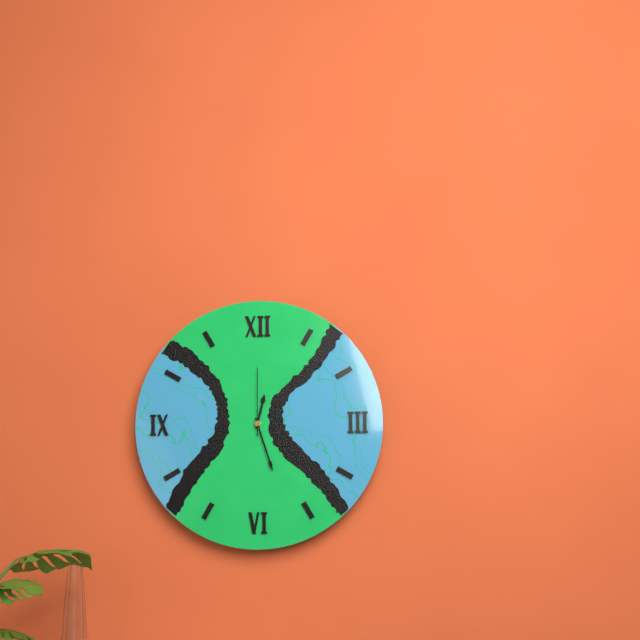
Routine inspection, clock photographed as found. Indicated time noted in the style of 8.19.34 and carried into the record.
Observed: 12.27.00
